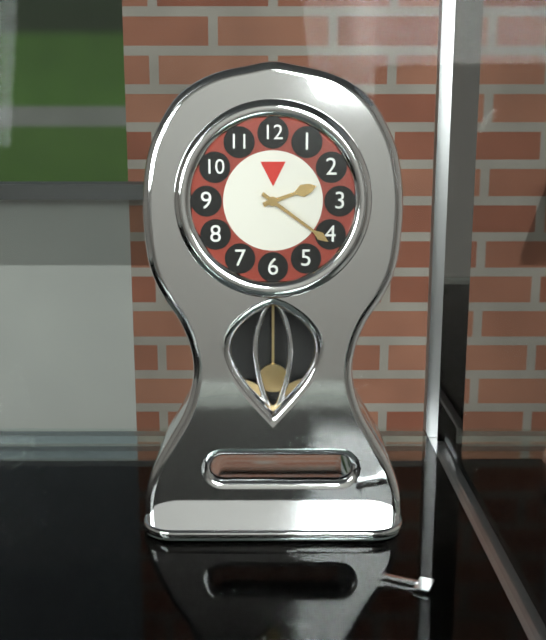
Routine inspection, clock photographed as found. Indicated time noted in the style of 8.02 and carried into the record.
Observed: 2.21
